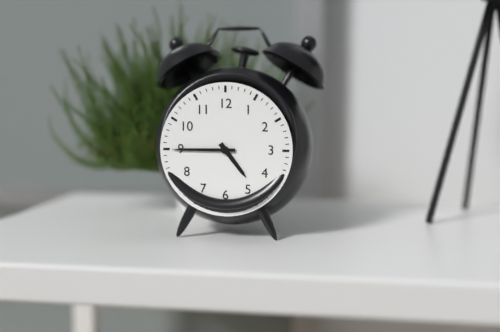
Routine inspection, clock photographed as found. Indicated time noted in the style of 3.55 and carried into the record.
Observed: 4.45
